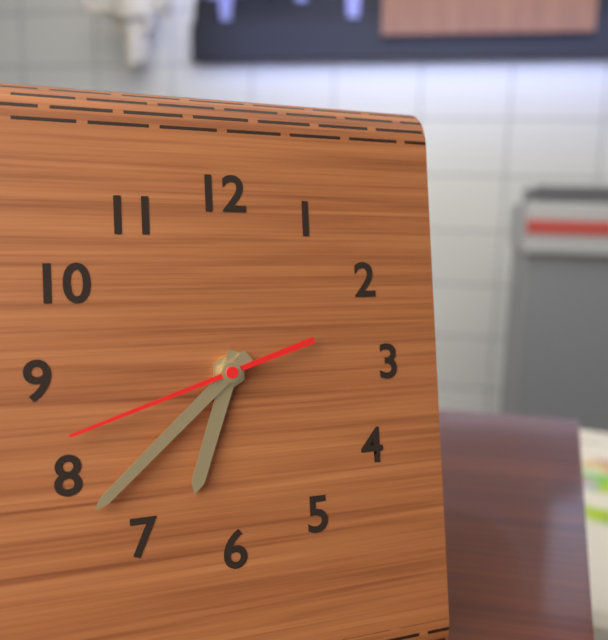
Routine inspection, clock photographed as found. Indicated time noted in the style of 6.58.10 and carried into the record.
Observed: 6.38.42
